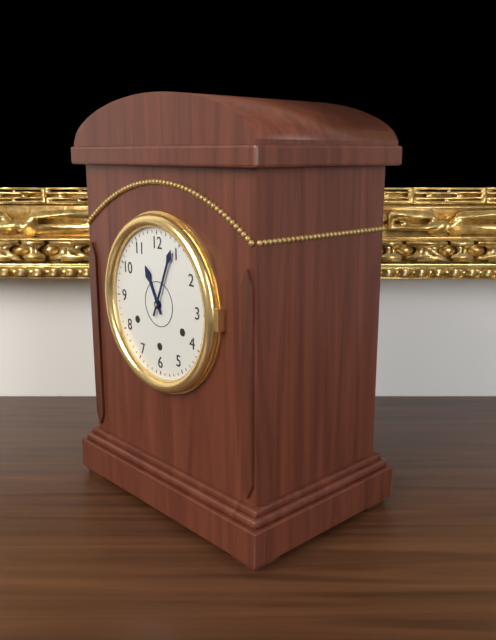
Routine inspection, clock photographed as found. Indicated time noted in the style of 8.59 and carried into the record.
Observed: 11.04
